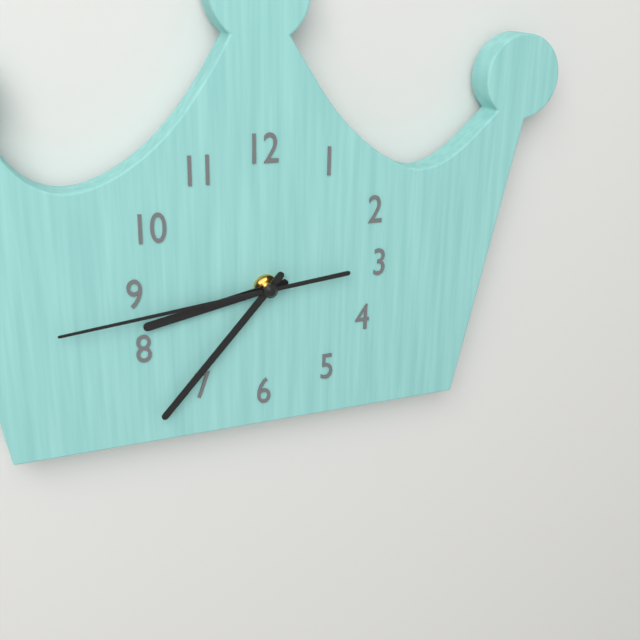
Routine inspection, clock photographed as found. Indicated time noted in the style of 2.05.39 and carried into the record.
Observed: 8.37.44
